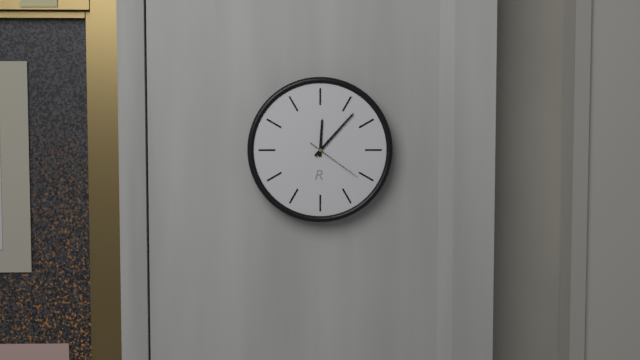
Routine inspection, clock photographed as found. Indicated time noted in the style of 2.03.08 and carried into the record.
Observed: 12.07.21
